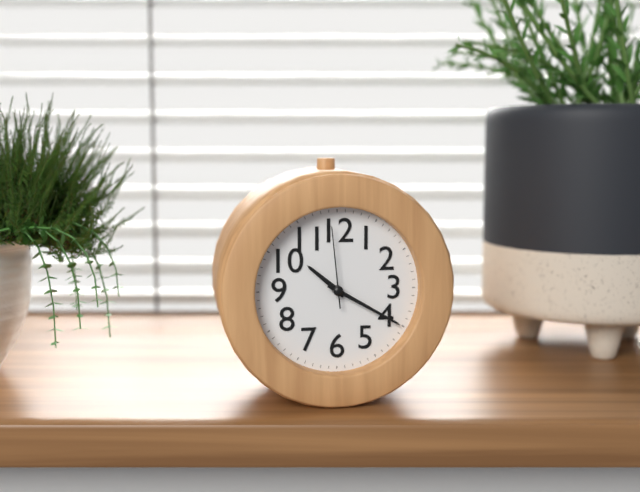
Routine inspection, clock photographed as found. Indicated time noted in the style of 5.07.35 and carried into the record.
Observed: 10.20.59
